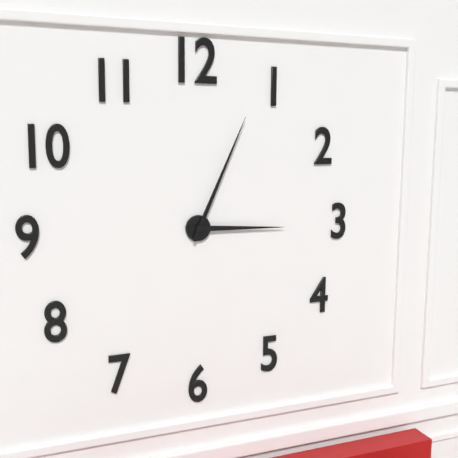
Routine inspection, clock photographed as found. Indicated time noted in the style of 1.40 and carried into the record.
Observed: 3.04
